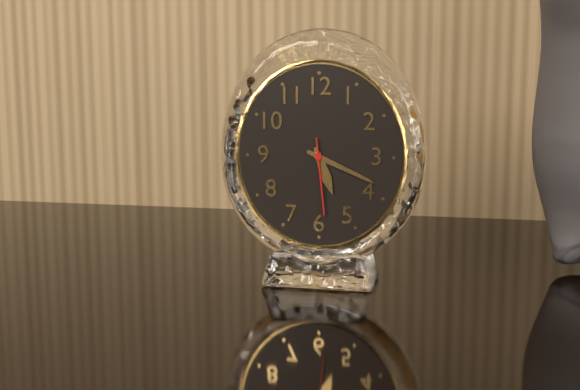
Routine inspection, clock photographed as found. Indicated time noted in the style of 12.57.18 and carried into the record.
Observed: 5.19.29
